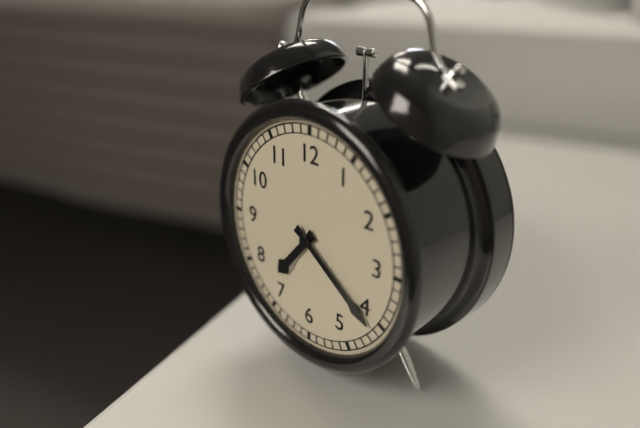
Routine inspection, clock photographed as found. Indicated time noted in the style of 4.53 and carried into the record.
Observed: 7.21
